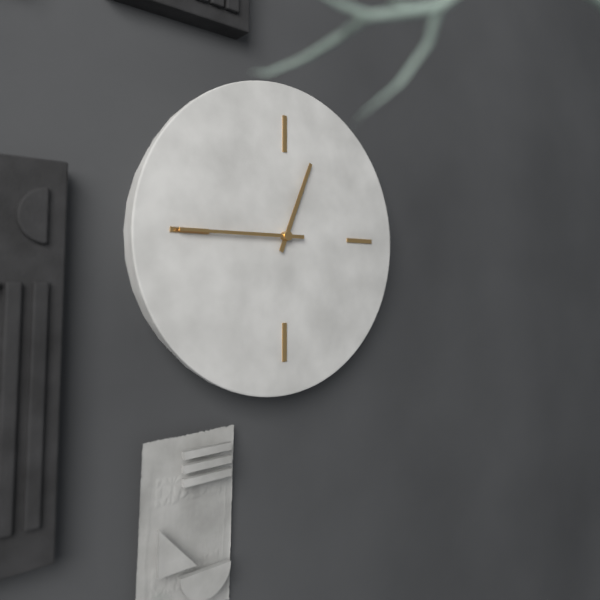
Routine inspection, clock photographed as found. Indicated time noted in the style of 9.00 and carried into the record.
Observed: 12.45
